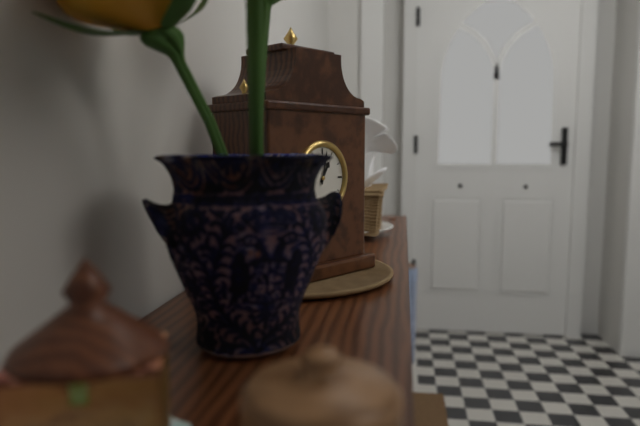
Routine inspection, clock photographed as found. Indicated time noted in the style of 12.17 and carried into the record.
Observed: 1.02
